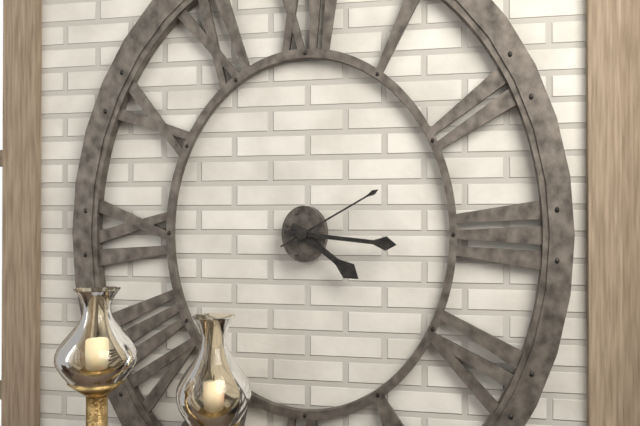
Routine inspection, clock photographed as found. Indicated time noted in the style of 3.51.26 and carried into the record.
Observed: 4.16.10
